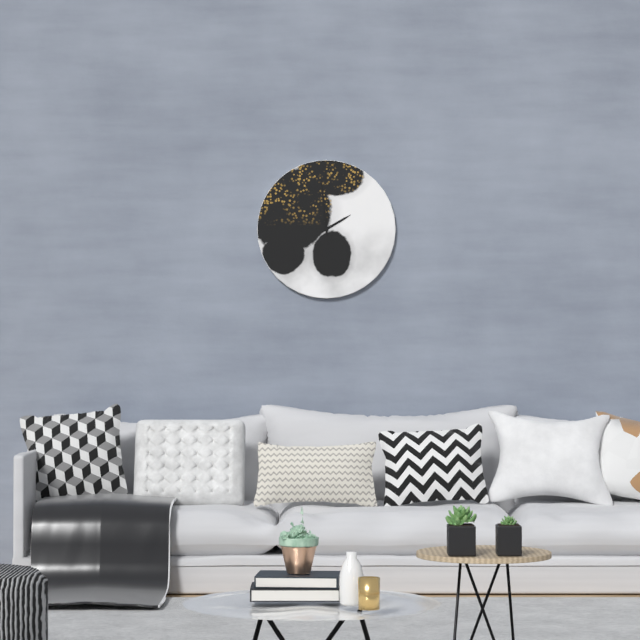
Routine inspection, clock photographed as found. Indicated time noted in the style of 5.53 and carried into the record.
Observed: 1.59
